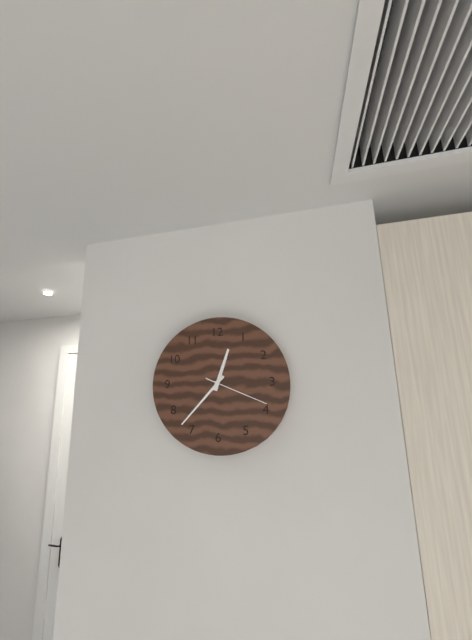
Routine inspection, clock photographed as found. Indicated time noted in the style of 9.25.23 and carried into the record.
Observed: 12.37.19
